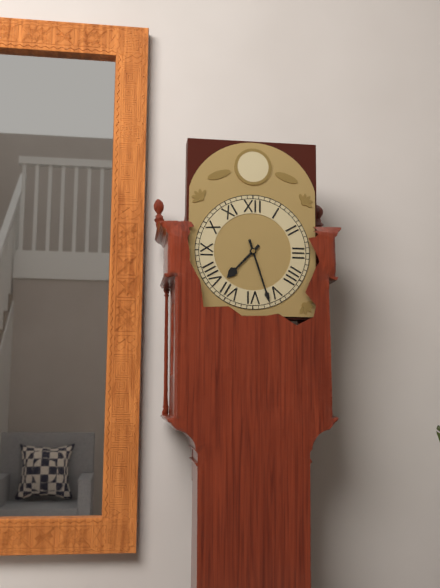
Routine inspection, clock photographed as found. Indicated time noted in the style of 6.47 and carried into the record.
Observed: 7.27
